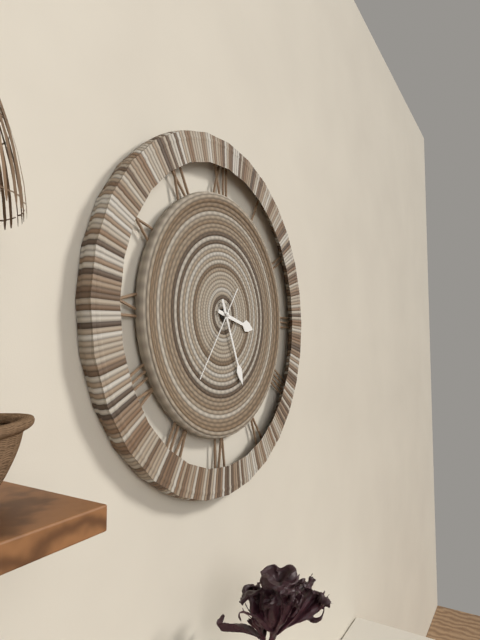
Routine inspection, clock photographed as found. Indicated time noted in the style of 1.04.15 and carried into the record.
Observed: 3.26.36
